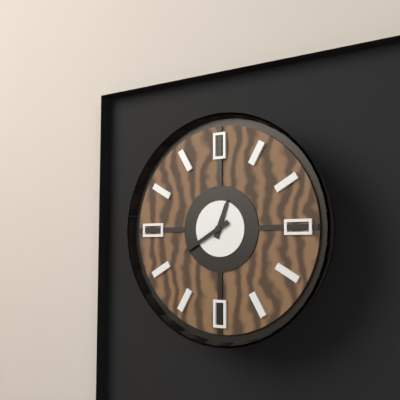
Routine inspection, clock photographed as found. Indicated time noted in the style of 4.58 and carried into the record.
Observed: 12.40
